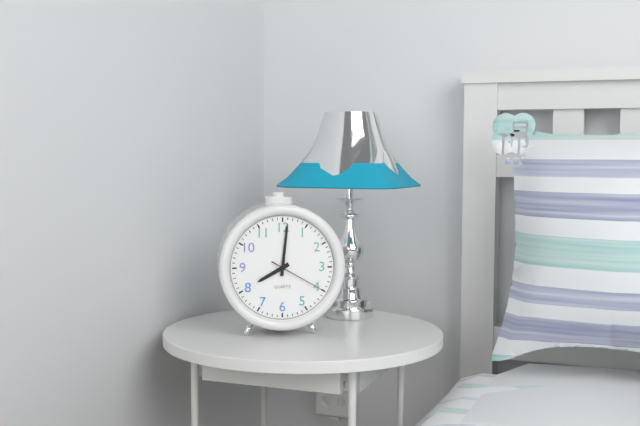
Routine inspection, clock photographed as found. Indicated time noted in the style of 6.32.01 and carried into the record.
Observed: 8.01.20
